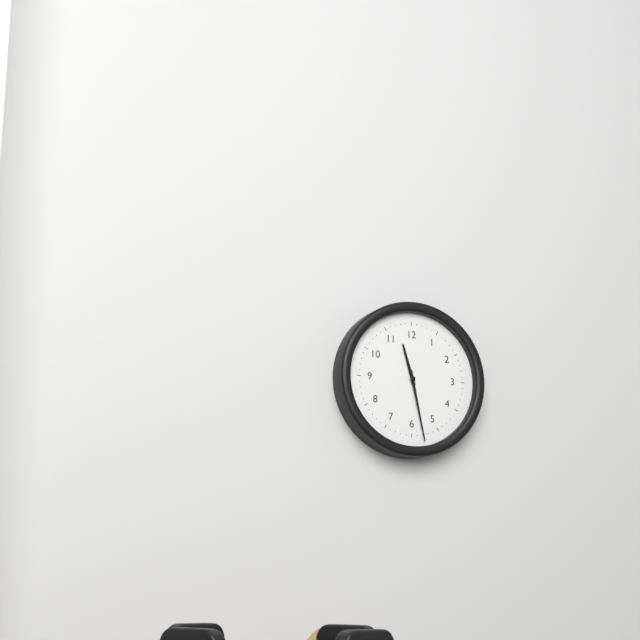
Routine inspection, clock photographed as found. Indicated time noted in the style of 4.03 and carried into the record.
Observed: 11.28
